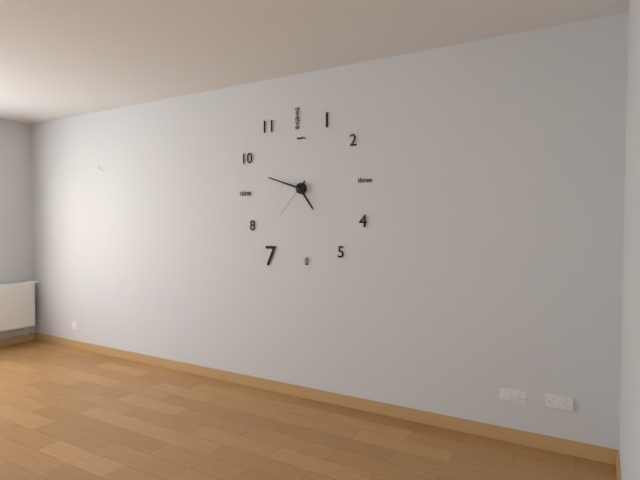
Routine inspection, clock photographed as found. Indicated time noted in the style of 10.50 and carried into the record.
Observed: 4.48
